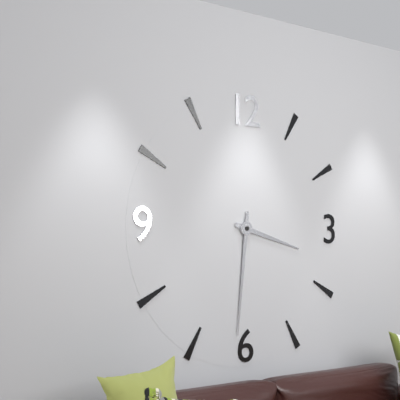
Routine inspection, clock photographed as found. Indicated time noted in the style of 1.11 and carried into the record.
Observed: 3.31
